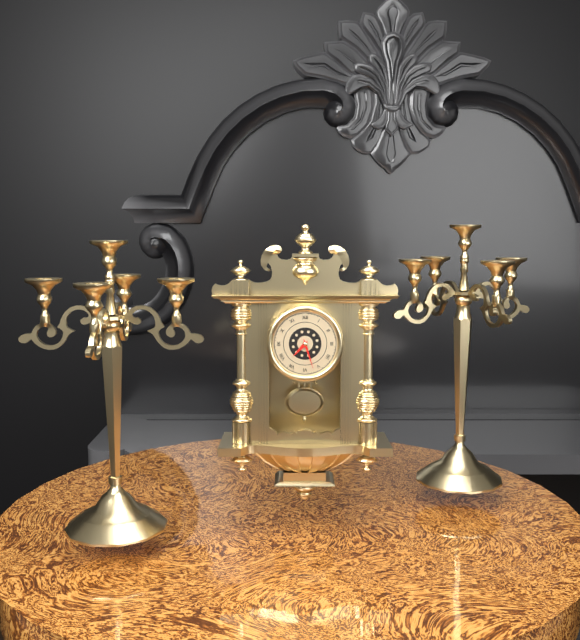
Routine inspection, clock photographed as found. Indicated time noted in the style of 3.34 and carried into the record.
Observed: 7.27
